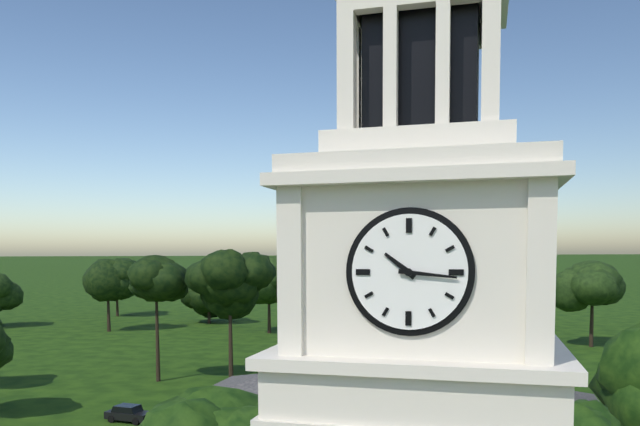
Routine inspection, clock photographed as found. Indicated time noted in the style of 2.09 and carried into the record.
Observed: 10.16
